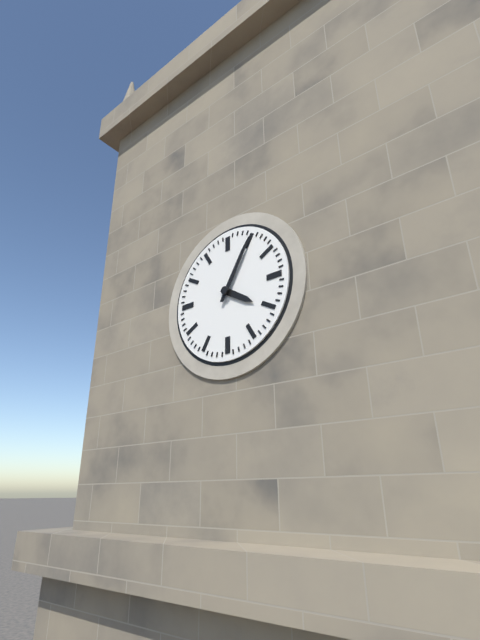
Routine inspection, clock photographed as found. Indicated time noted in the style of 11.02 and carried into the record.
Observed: 4.05
